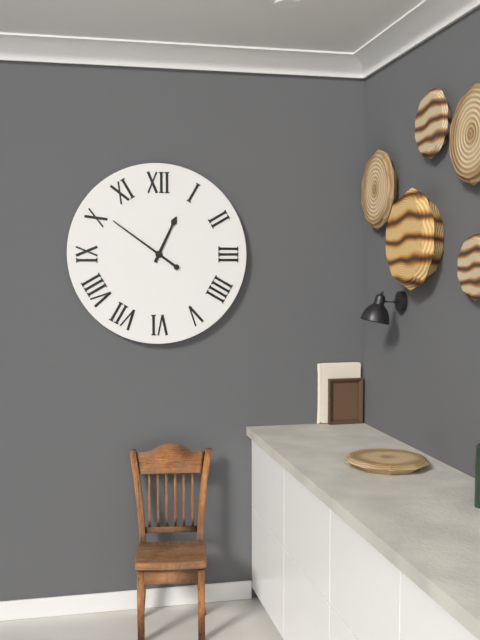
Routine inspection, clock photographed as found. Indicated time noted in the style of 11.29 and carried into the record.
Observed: 12.51
